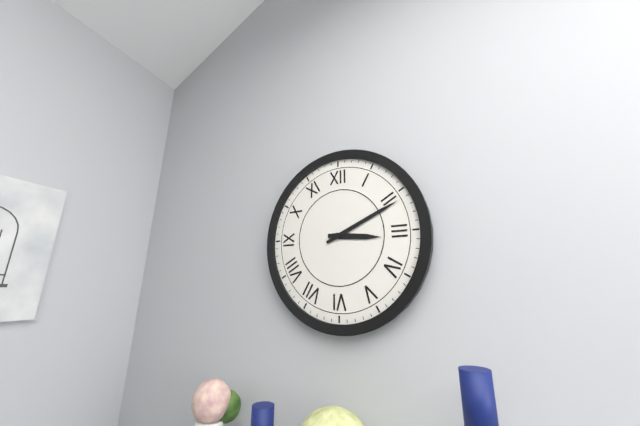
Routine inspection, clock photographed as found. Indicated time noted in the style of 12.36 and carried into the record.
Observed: 3.11
